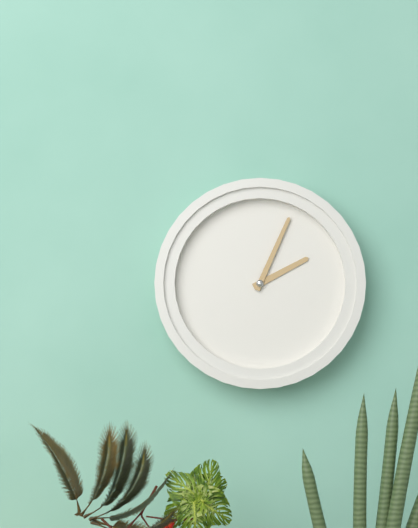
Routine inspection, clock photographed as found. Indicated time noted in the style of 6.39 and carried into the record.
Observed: 2.04
